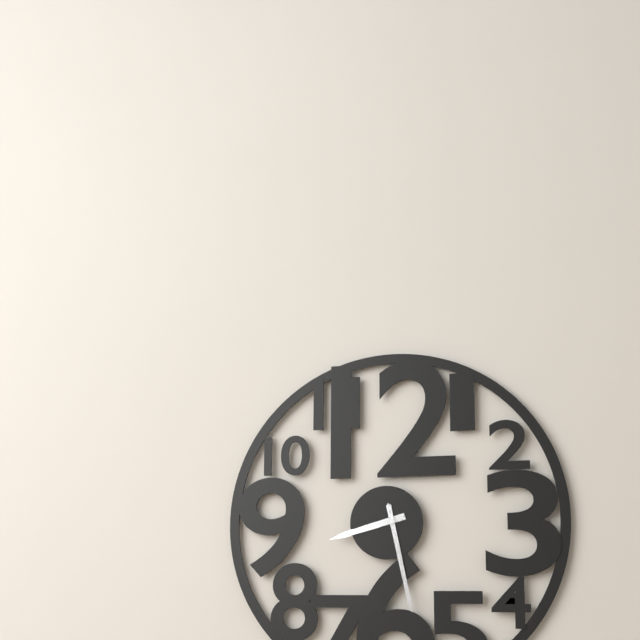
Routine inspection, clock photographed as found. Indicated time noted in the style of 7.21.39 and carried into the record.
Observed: 8.28.28
